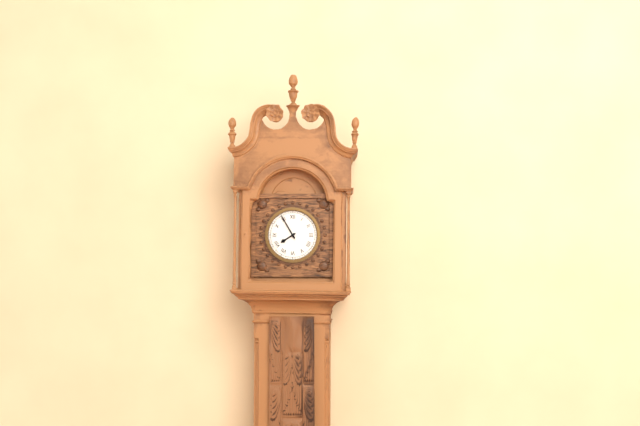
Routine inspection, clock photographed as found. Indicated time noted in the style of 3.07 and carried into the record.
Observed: 7.55
